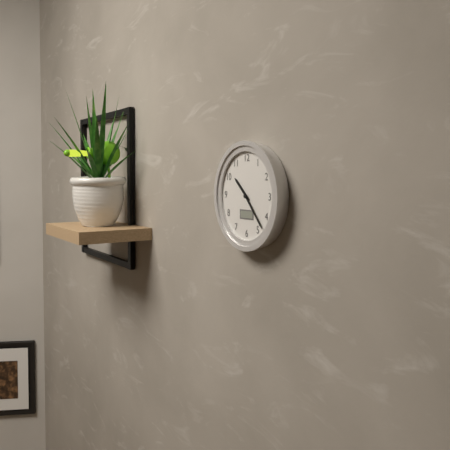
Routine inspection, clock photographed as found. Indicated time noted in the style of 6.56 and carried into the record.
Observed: 10.23
